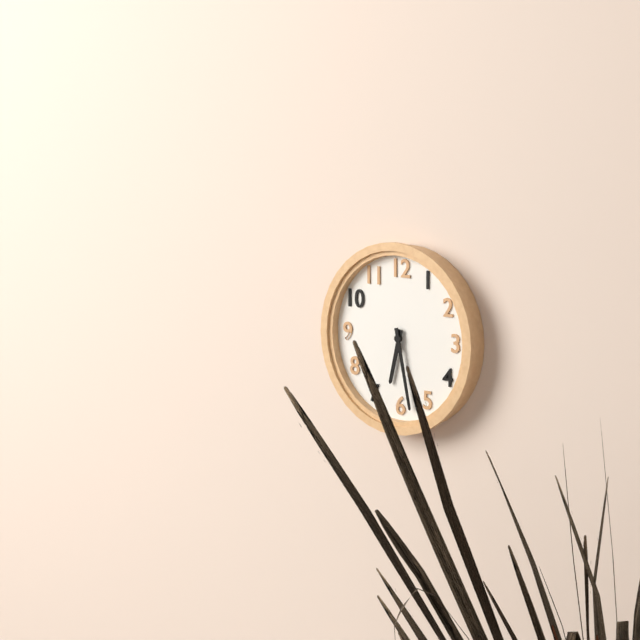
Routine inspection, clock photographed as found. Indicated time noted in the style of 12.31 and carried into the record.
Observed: 6.28
